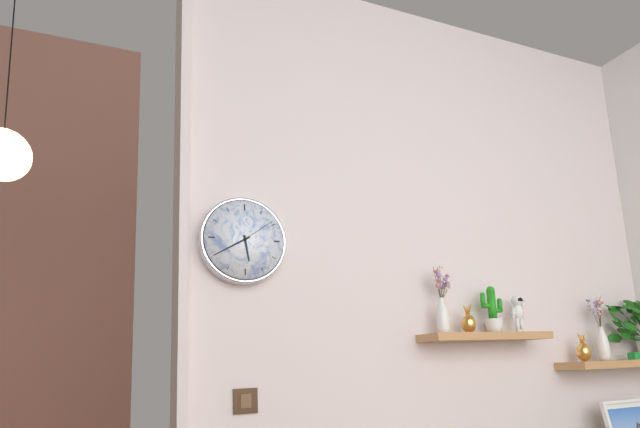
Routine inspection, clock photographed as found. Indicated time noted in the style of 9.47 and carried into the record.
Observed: 5.40
